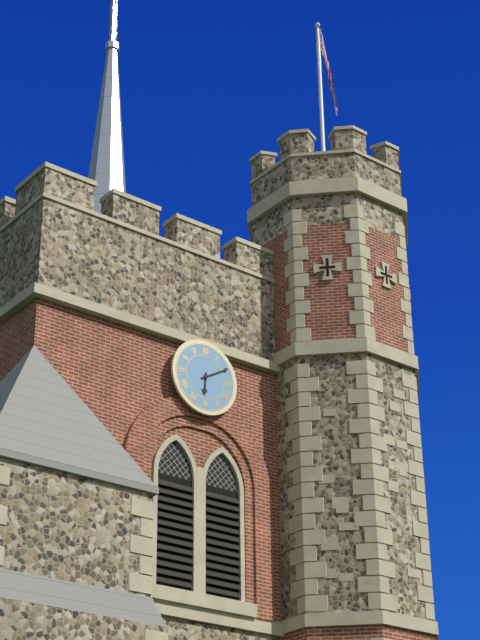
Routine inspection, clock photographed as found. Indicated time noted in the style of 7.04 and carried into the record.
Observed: 6.10
